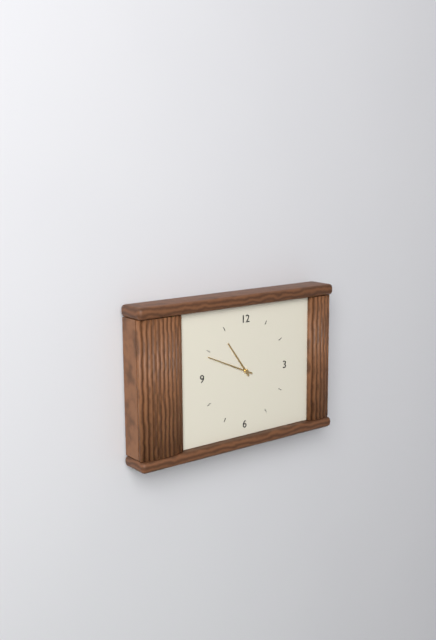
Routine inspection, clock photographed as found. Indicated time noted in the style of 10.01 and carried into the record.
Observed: 10.49
